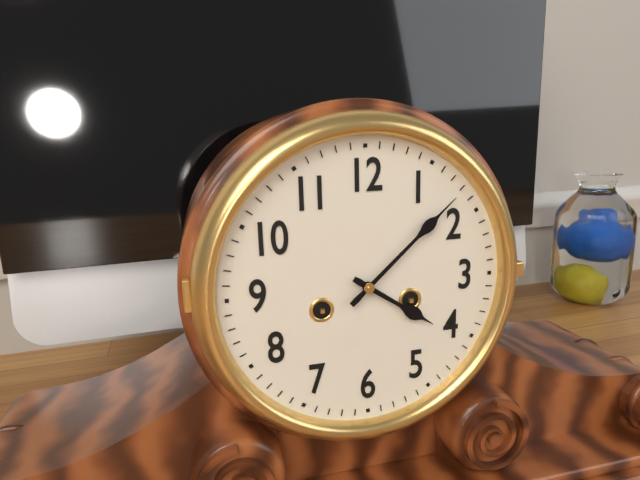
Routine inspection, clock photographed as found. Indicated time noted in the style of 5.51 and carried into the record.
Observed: 4.08
